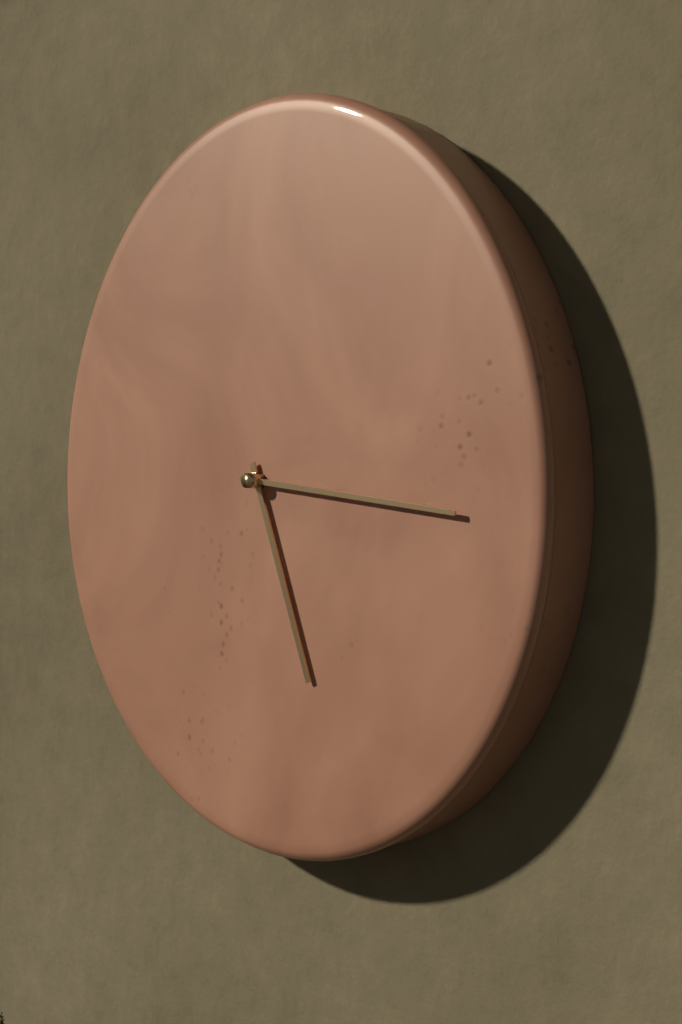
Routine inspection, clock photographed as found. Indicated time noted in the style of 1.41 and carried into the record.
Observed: 5.16
